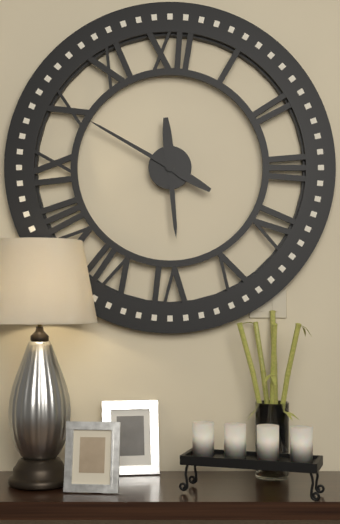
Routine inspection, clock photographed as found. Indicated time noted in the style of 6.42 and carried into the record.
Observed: 5.50
